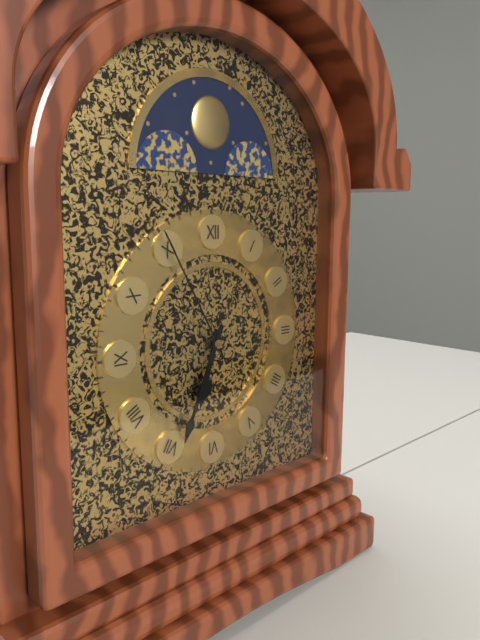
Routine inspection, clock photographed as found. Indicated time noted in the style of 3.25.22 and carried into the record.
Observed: 6.34.55
